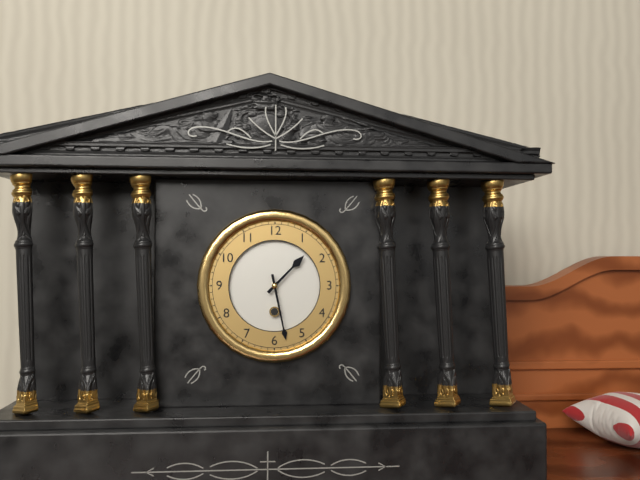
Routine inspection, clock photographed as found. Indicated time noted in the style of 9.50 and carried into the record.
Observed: 1.28
